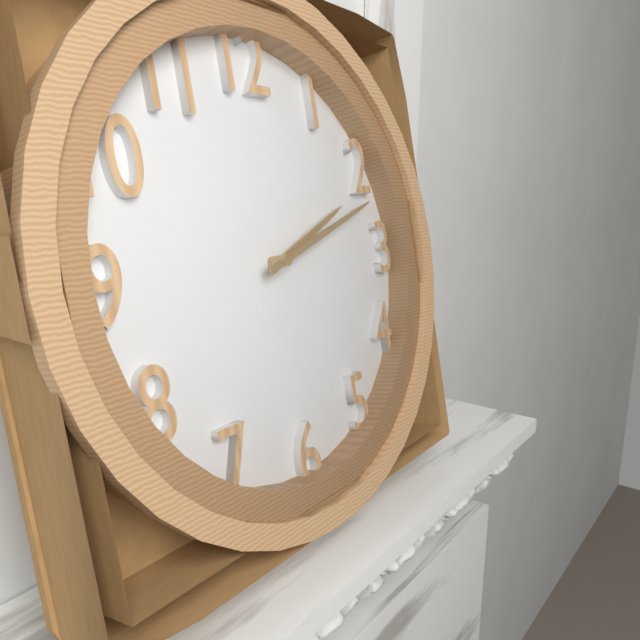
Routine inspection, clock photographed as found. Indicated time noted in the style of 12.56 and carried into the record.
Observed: 2.12
